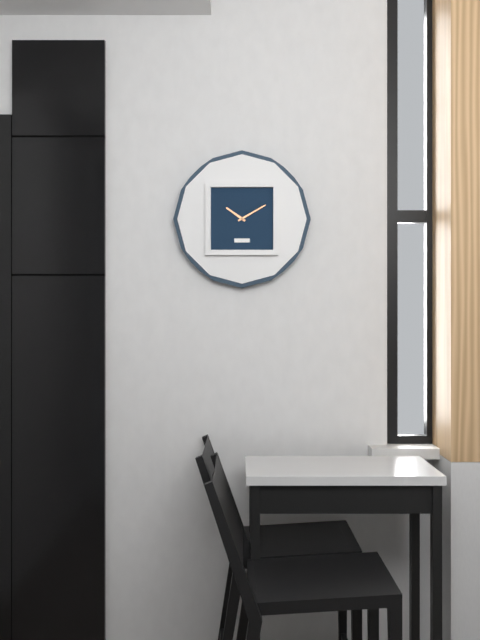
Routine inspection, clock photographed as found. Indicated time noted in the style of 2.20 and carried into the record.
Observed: 10.10
